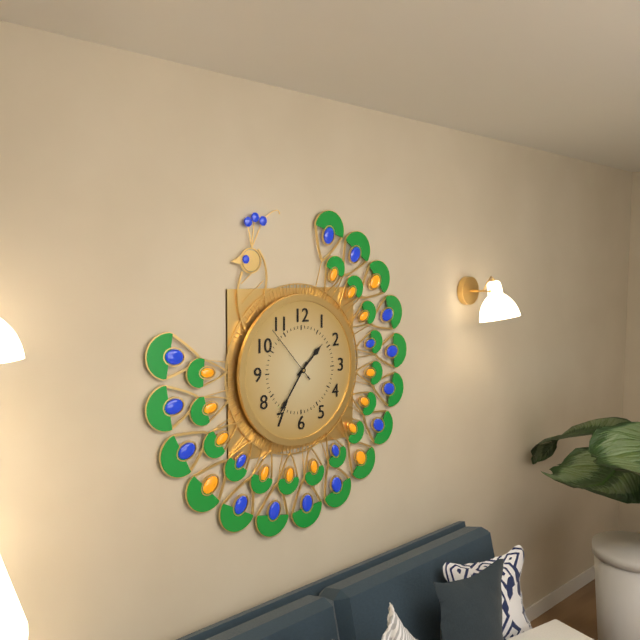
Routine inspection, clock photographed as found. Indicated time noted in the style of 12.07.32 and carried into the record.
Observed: 1.36.53
